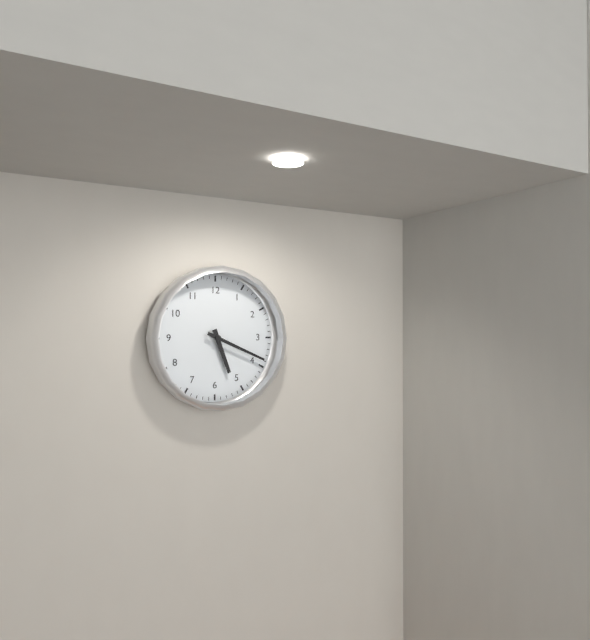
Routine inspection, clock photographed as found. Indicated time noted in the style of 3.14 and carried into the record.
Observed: 5.19
